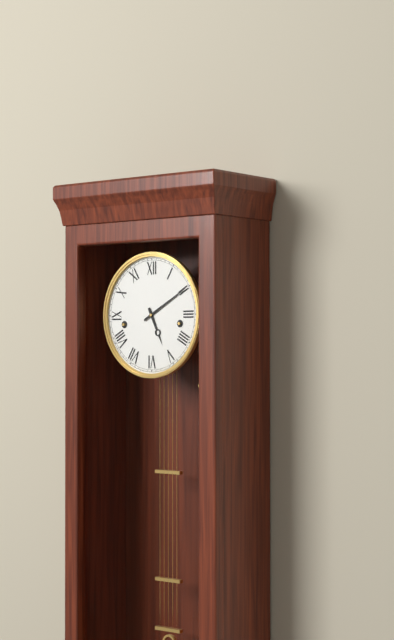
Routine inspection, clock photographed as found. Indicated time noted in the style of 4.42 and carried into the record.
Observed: 5.10
